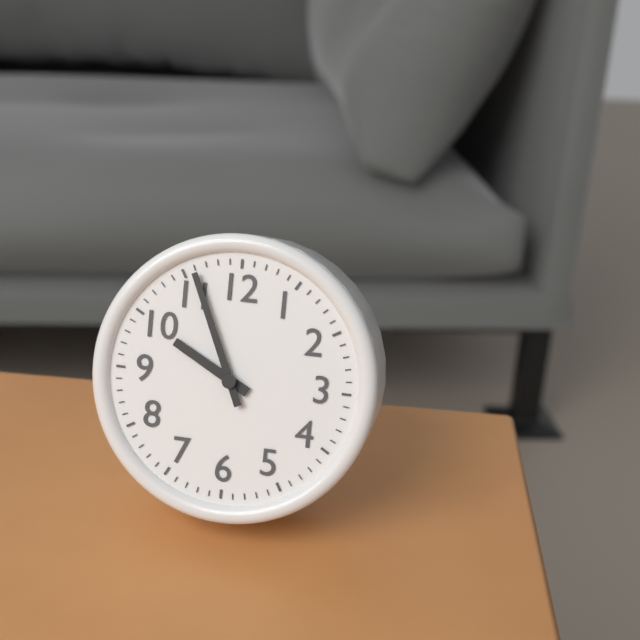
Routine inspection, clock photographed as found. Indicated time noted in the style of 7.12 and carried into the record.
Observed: 9.56
